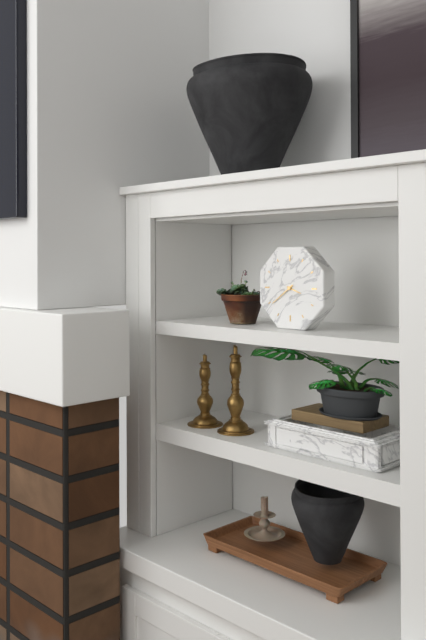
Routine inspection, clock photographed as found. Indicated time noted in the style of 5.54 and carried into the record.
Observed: 3.39
